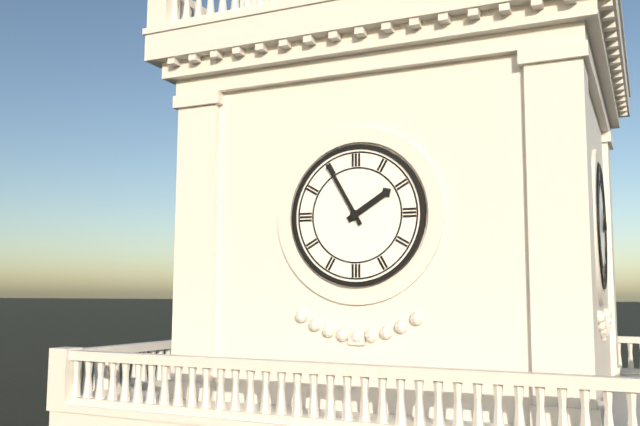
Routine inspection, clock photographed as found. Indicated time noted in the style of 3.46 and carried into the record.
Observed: 1.55
